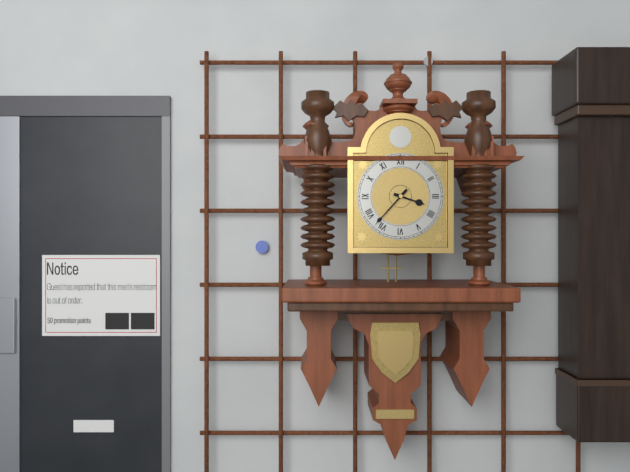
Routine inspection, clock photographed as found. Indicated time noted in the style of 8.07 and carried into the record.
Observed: 3.37
